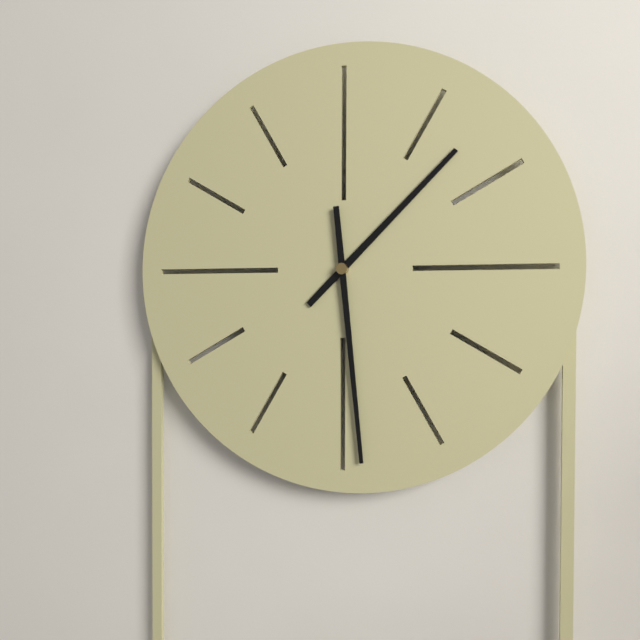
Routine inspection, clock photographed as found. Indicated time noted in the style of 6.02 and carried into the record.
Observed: 1.29
